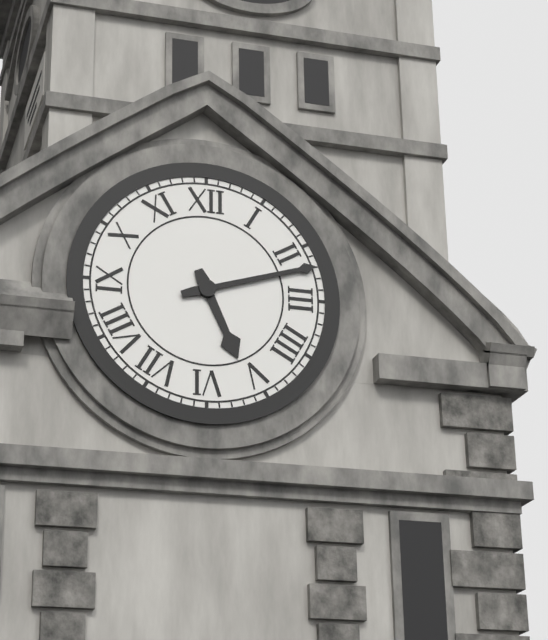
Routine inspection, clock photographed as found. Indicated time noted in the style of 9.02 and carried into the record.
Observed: 5.12
